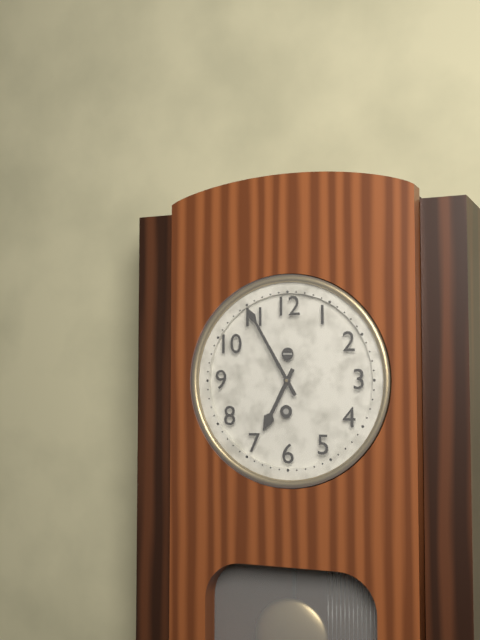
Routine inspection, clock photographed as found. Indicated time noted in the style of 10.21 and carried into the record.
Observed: 6.55
